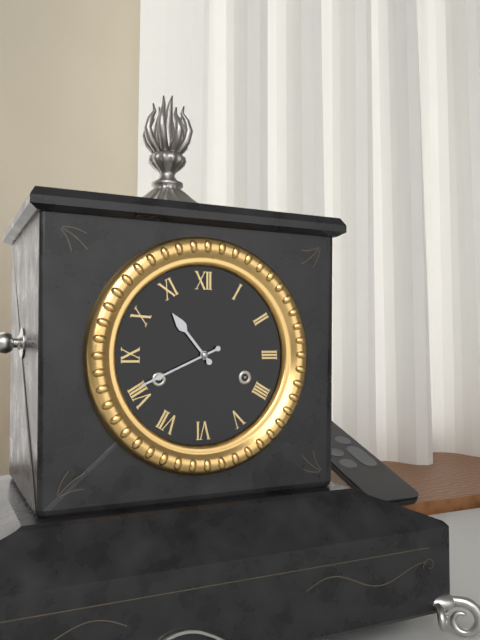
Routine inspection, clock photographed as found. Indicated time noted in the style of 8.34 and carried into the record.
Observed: 10.41
